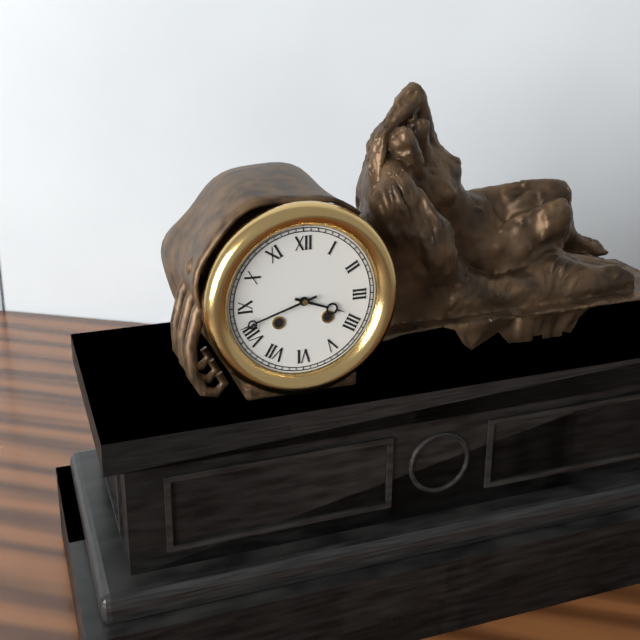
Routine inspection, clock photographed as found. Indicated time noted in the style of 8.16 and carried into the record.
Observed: 3.42
